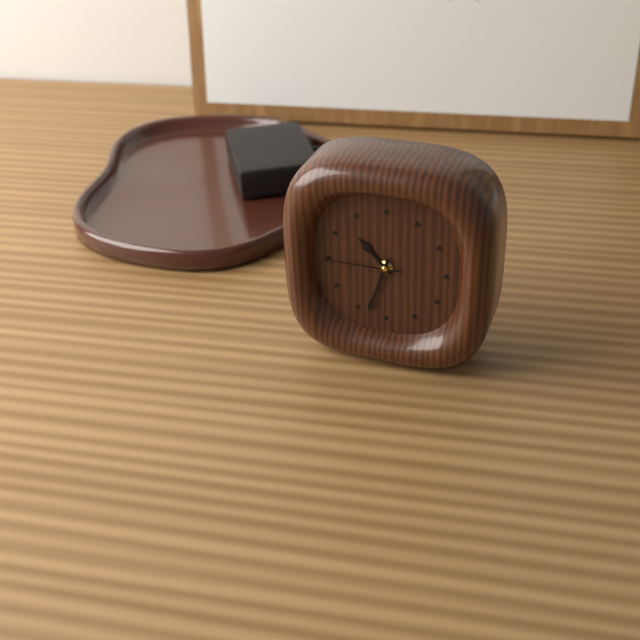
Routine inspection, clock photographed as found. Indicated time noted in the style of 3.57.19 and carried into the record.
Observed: 10.33.45
